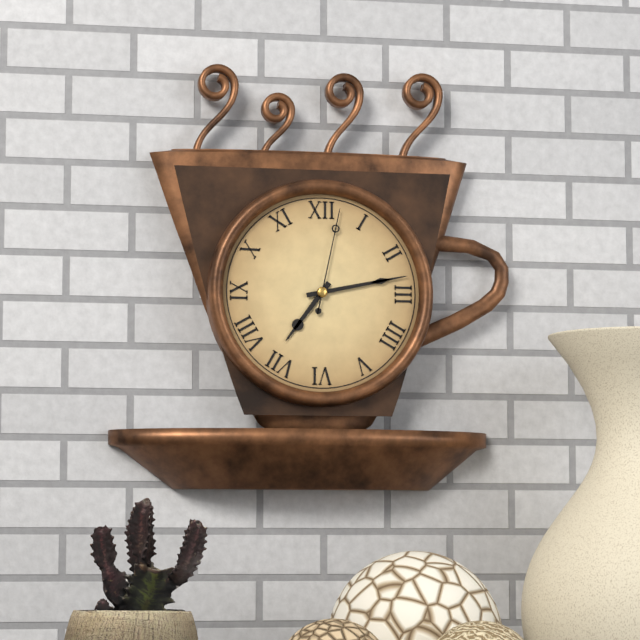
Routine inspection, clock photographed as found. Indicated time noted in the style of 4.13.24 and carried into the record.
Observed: 7.13.02
